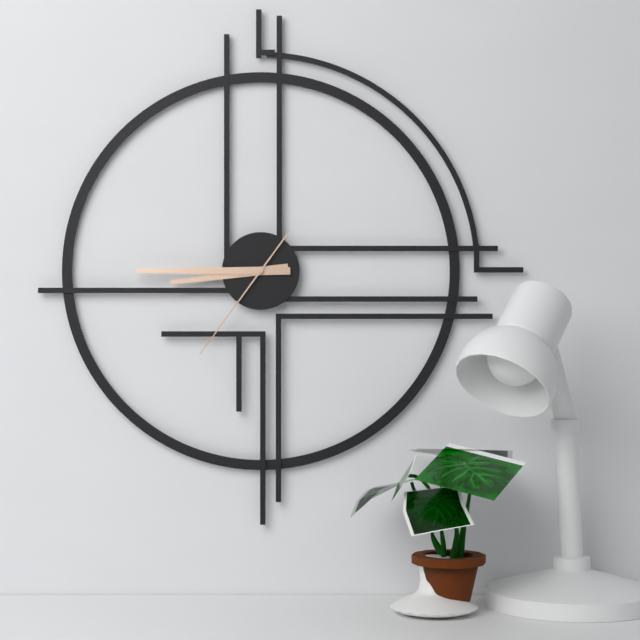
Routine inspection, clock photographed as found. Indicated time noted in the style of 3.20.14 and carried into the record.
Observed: 8.45.36
